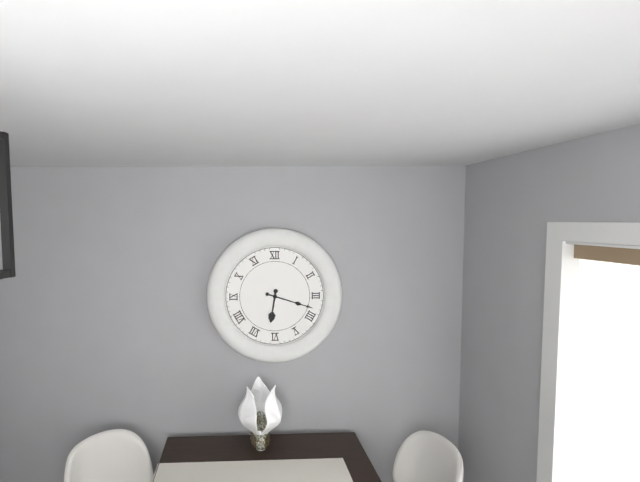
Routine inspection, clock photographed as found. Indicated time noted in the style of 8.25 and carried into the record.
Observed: 6.18
